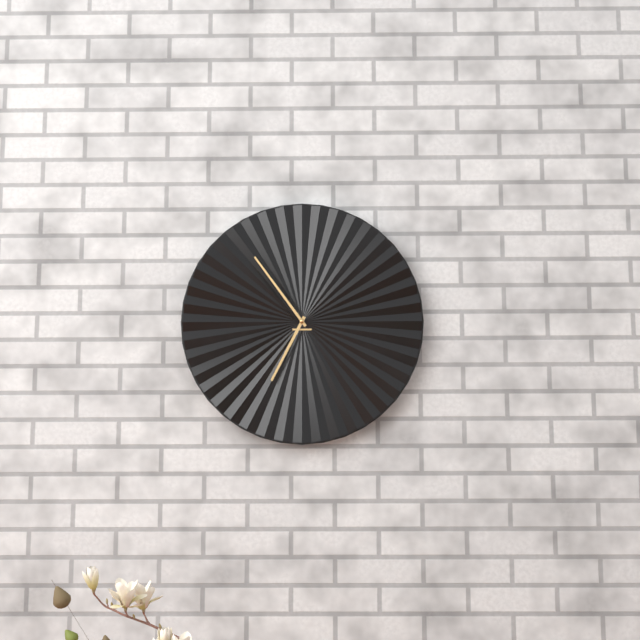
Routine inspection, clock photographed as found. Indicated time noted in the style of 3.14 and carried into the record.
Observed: 6.54
